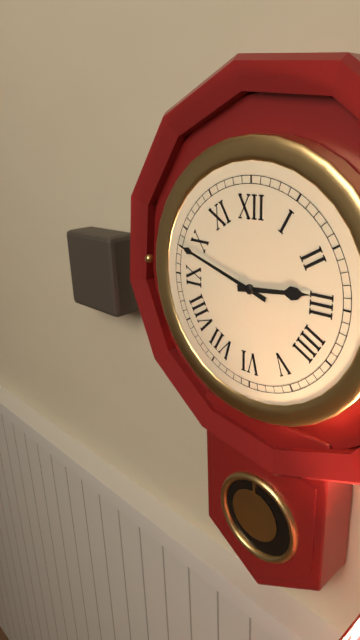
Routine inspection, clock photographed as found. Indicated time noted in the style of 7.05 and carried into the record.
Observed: 2.48
